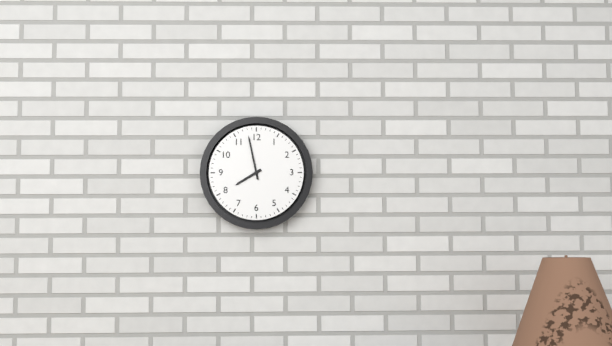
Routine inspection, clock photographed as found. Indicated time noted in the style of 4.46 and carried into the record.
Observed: 7.58
